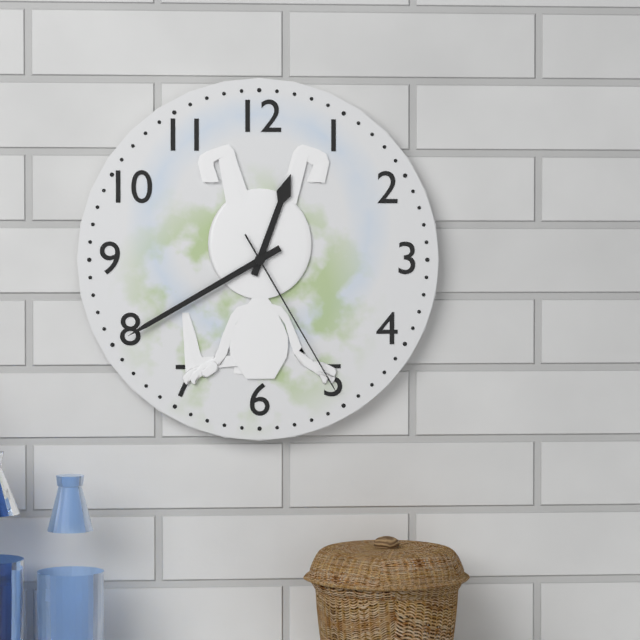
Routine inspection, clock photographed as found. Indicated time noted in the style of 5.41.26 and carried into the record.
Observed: 12.40.25
